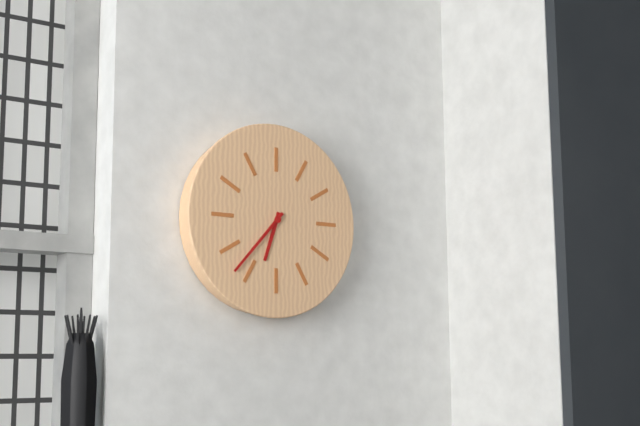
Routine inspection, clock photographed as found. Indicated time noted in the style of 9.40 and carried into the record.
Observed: 6.37
